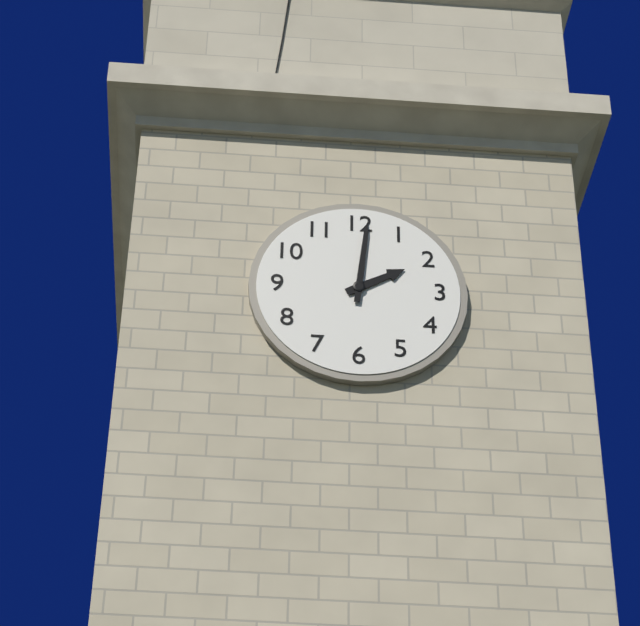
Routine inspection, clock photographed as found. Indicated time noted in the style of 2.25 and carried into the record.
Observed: 2.01
